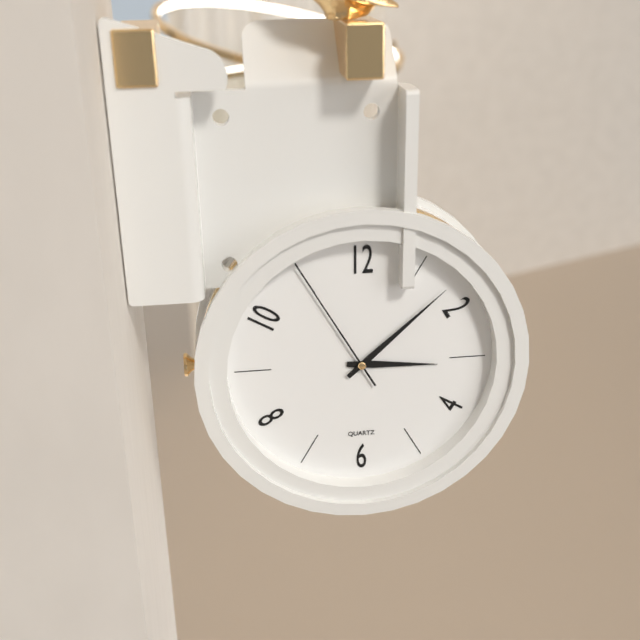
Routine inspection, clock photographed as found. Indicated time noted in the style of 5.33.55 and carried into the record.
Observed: 3.08.55
